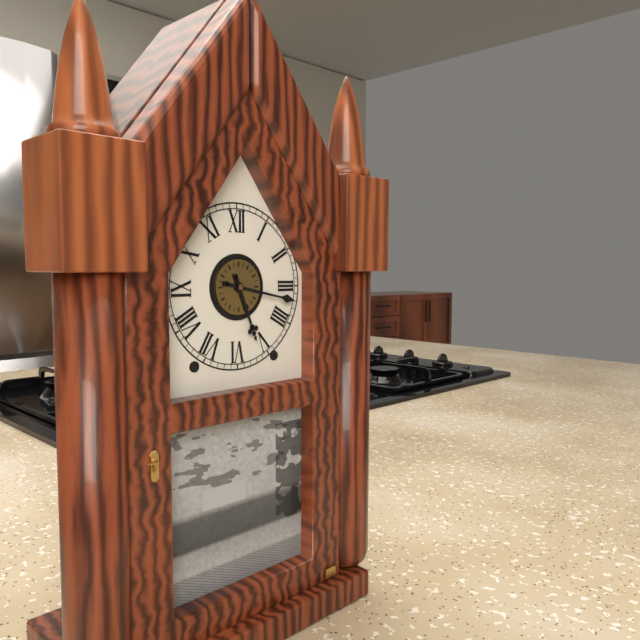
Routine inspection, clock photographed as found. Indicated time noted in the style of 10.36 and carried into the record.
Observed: 5.17
